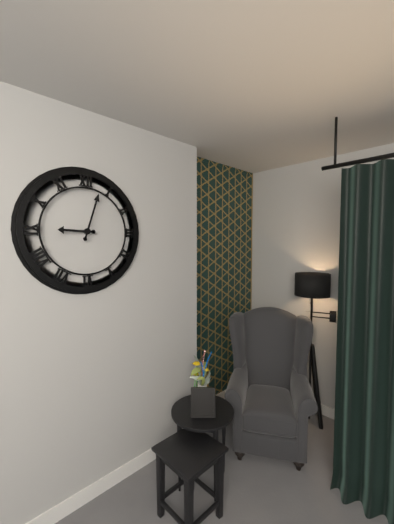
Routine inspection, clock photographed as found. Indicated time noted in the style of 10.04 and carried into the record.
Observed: 9.03
